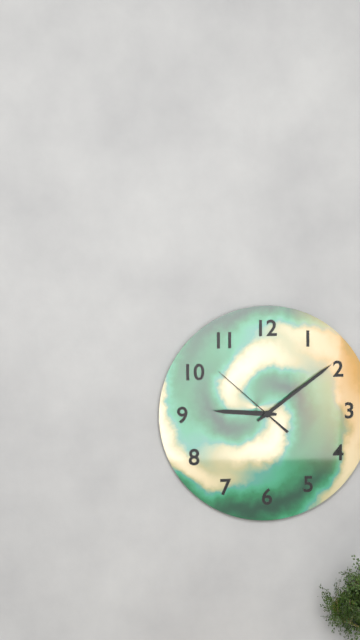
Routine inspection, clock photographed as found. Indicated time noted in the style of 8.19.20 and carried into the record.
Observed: 9.09.52
